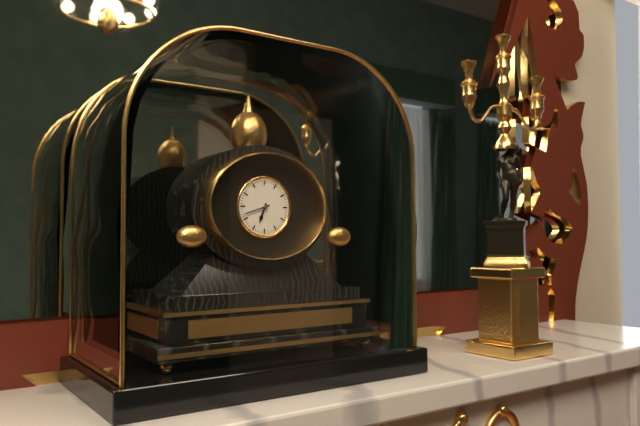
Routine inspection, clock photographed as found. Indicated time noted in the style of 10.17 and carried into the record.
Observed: 6.42
